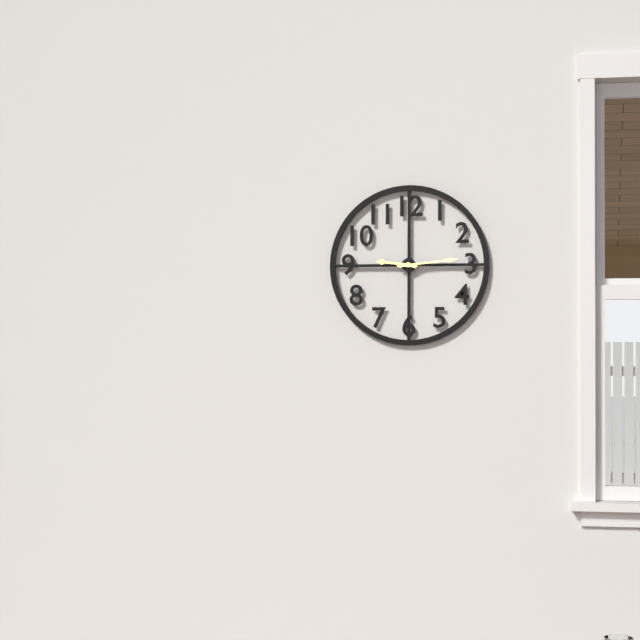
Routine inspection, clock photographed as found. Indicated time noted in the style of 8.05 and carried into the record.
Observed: 9.14
